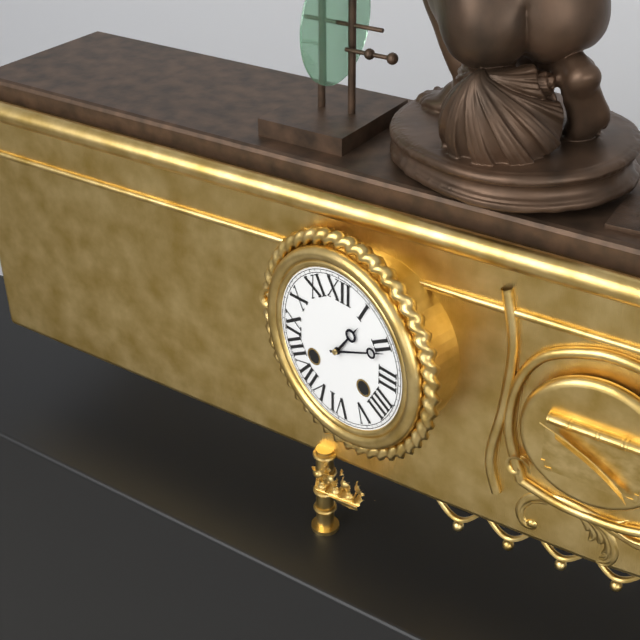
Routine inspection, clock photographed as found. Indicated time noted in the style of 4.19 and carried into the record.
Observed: 1.11
